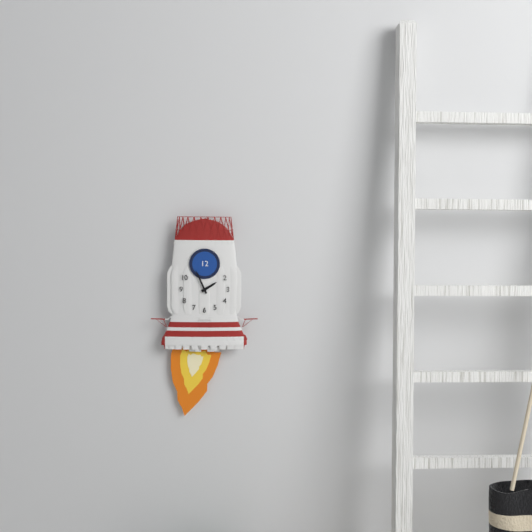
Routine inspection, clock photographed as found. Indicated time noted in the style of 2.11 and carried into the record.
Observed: 1.56
